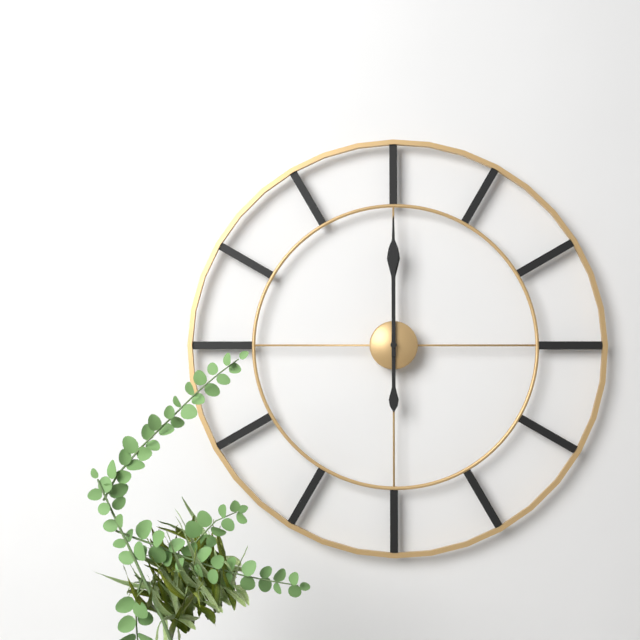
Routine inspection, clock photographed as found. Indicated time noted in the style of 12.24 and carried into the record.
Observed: 12.00
